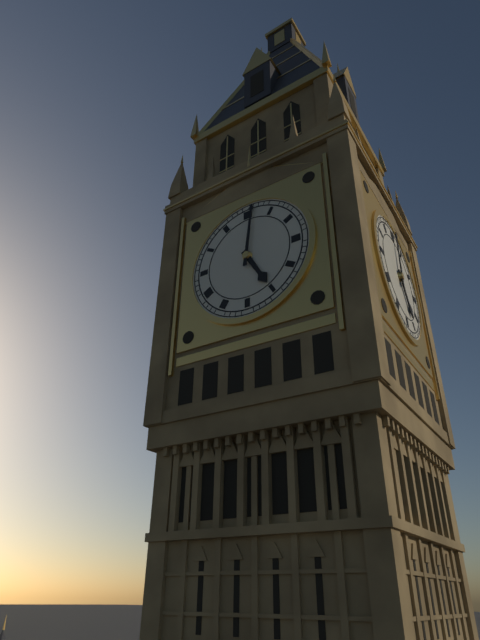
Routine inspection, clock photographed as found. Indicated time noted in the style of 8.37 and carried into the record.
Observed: 5.01
